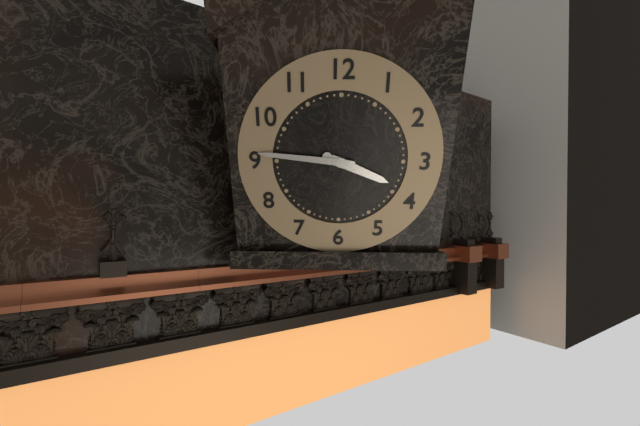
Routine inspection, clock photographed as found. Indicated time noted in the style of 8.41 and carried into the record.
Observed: 3.46
